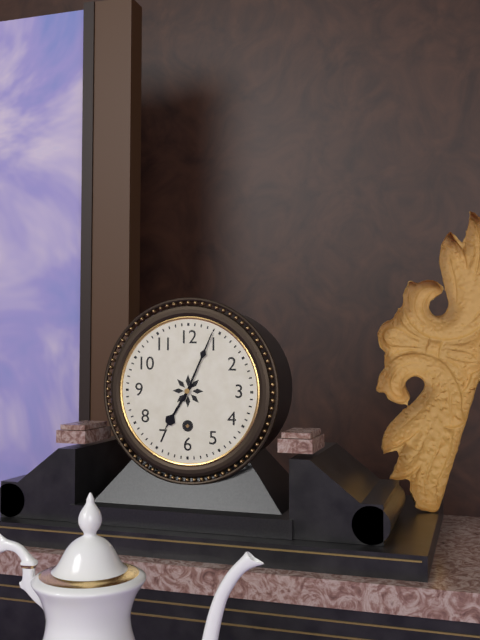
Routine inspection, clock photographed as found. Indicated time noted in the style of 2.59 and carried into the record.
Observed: 7.04
